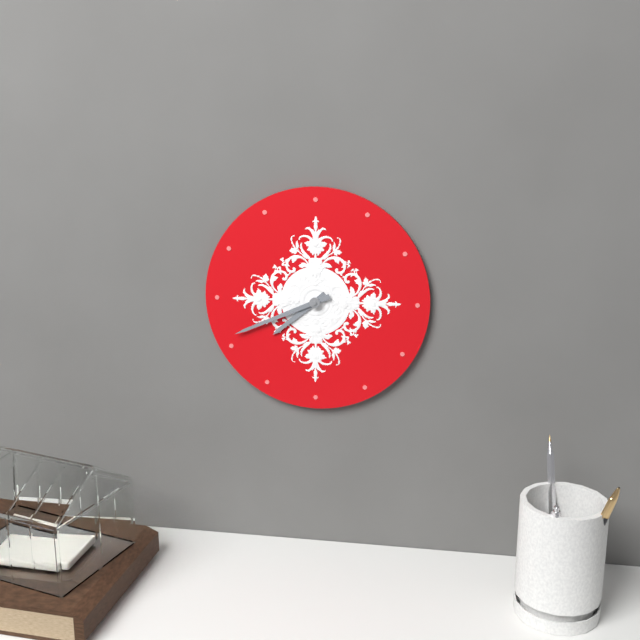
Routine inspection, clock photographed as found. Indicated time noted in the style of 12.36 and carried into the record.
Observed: 7.41
